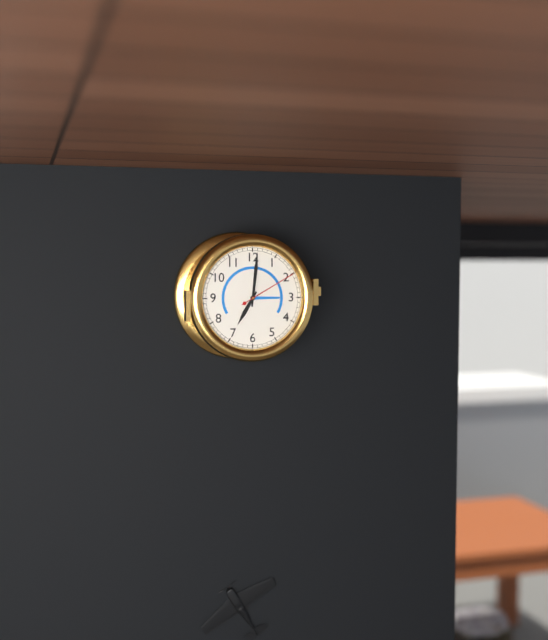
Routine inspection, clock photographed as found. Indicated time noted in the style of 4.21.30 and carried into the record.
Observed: 7.01.10
